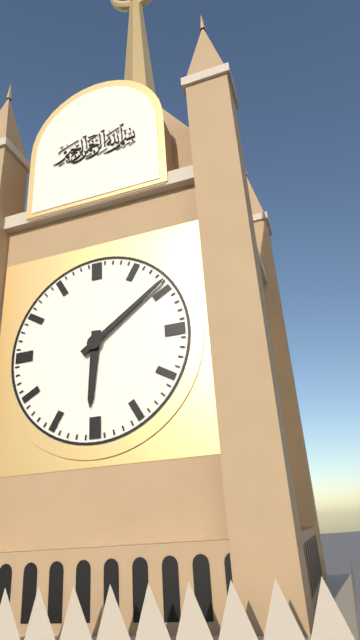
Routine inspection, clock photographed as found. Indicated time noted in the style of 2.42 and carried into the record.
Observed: 6.09
